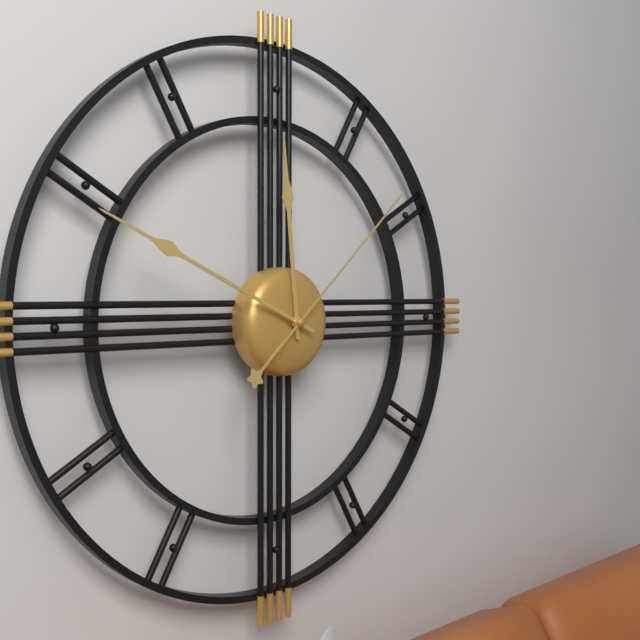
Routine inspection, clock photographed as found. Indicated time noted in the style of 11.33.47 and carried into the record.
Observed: 11.49.08
